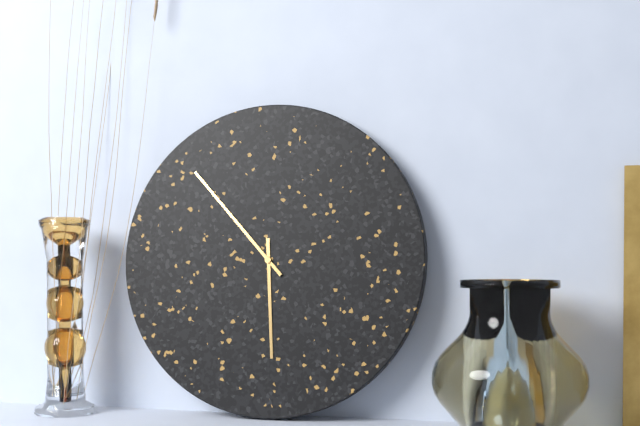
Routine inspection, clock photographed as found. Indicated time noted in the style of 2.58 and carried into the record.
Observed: 5.53
